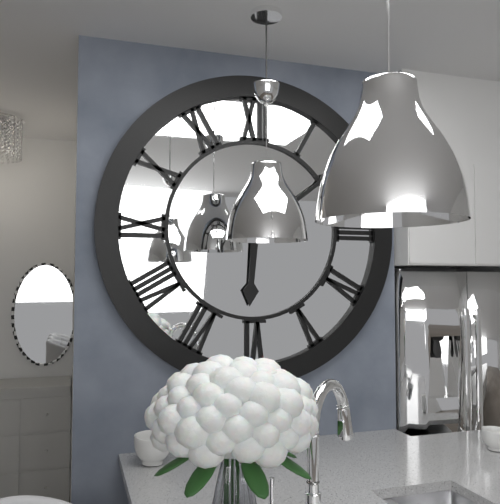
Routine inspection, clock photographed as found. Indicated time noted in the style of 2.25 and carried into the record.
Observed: 6.09
